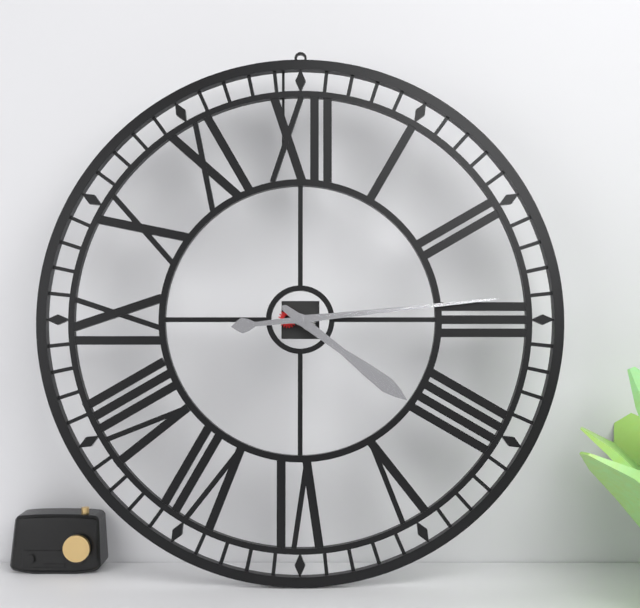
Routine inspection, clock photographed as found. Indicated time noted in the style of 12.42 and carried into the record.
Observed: 4.14
